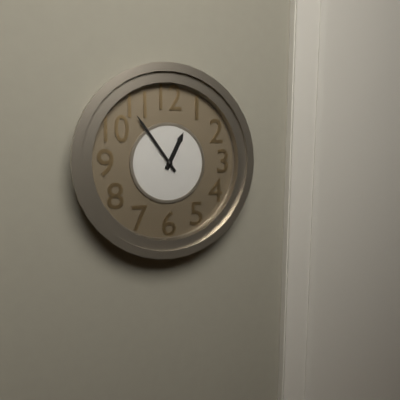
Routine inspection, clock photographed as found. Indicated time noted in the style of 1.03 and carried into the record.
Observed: 12.54
